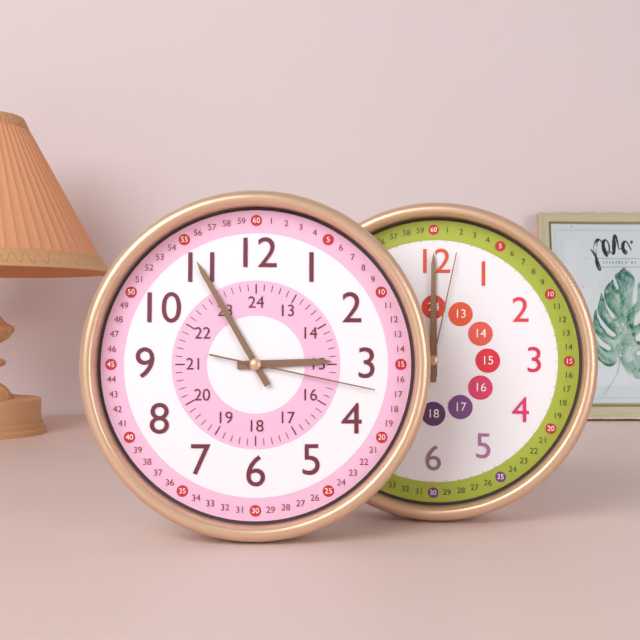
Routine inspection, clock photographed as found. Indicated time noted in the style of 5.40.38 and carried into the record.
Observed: 2.55.17
